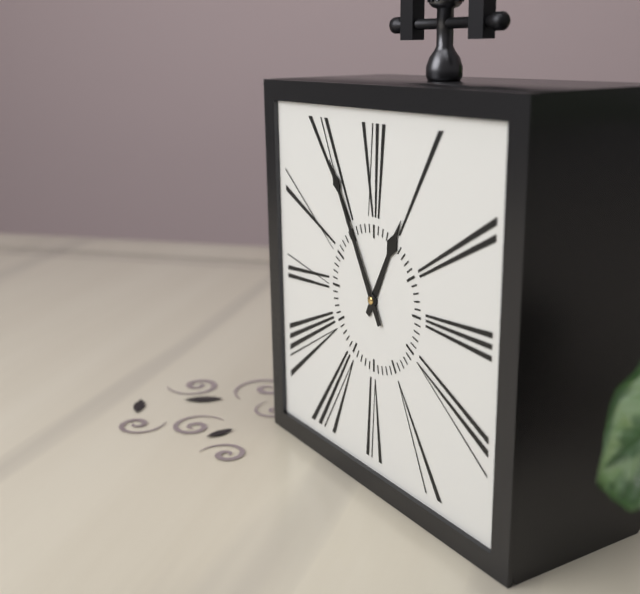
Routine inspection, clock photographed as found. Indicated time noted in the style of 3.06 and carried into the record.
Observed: 12.55
